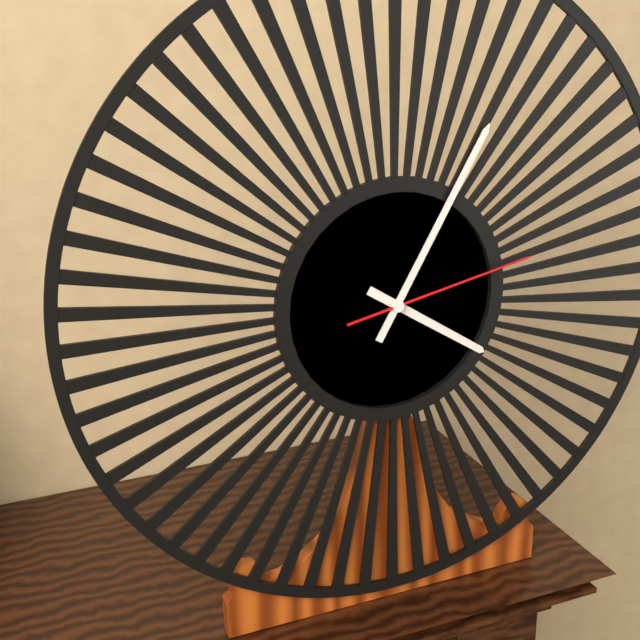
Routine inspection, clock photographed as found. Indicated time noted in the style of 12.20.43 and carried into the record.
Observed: 4.05.13
